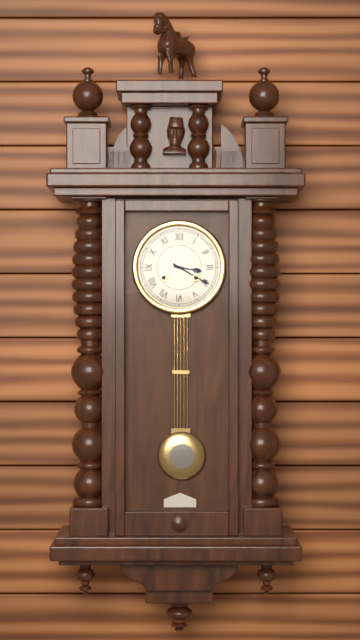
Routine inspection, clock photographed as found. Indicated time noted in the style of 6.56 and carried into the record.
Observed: 3.20
